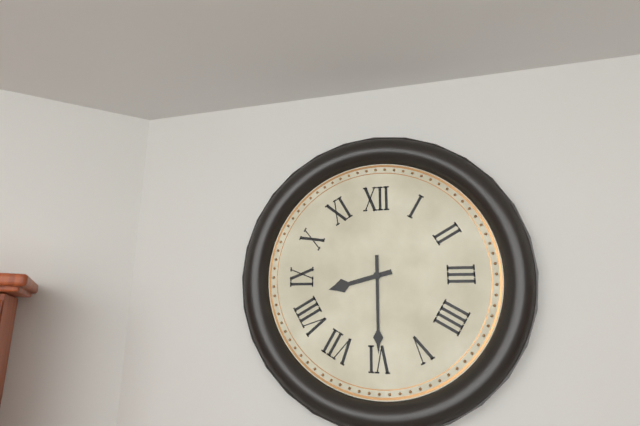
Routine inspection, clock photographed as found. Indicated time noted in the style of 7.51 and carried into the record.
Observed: 8.30
